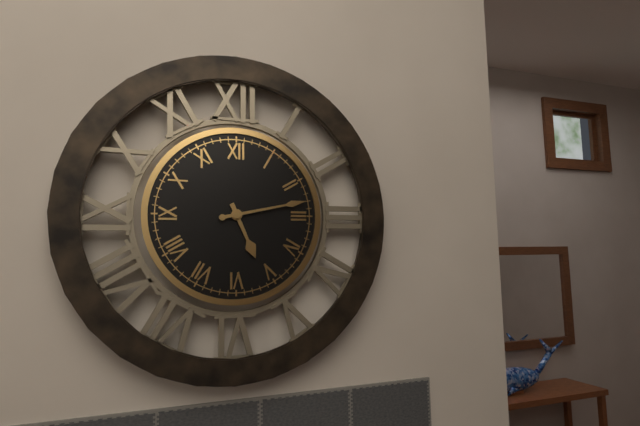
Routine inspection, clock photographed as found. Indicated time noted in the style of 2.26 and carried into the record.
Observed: 5.13
